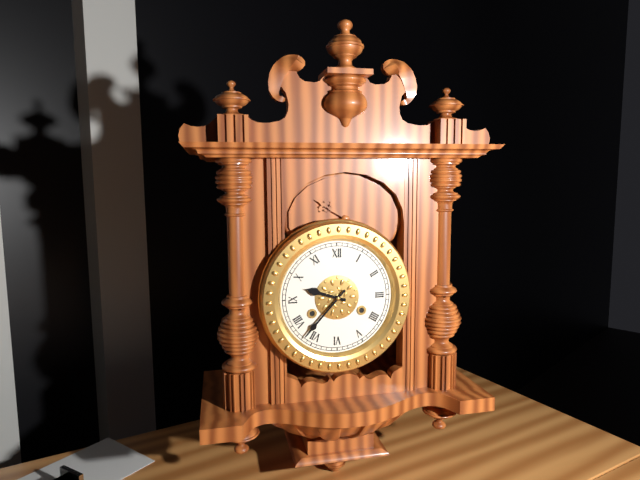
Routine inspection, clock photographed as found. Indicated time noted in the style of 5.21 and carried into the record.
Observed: 9.37
